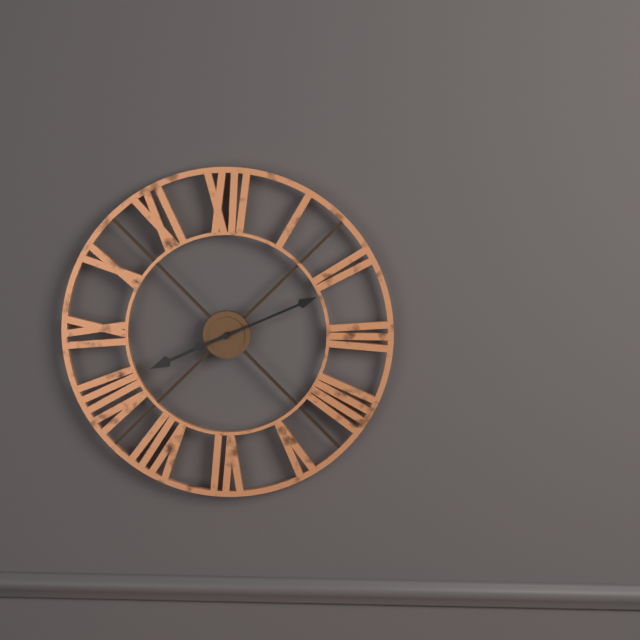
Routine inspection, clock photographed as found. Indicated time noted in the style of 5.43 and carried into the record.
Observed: 8.11
